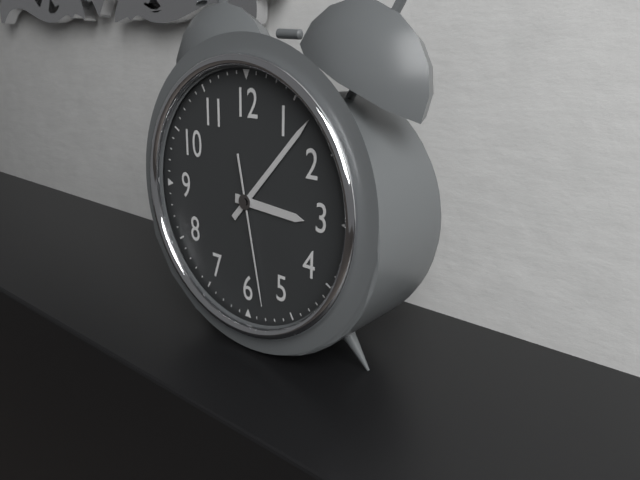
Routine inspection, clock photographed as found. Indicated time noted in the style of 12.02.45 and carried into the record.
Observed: 3.07.28
